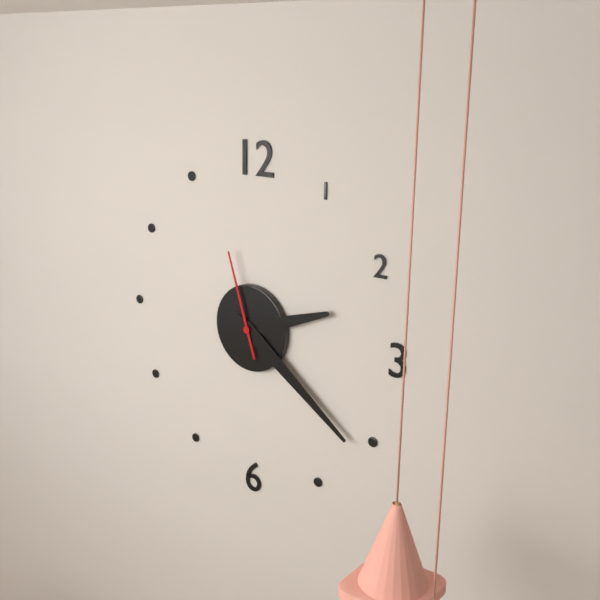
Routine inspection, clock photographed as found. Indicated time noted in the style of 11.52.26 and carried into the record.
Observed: 2.21.57
